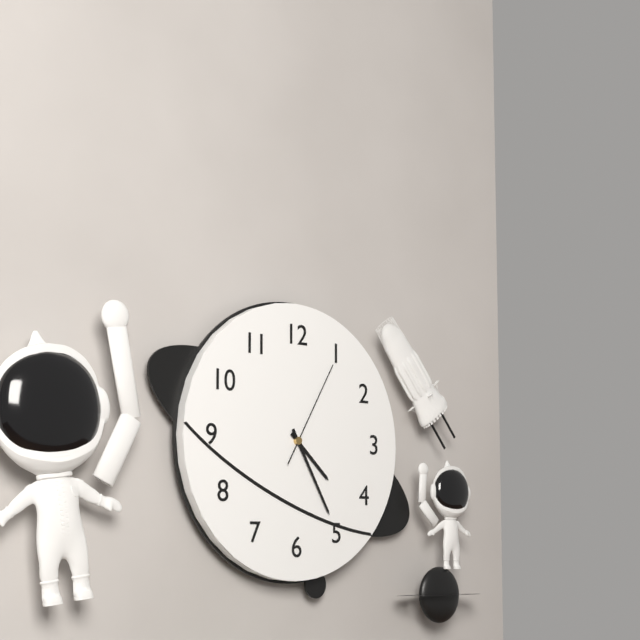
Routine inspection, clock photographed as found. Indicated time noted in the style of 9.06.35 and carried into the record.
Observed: 4.25.05
